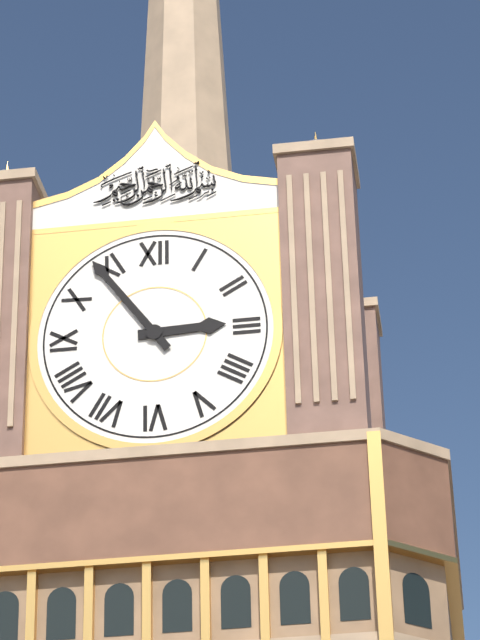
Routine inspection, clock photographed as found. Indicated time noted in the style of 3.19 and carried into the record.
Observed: 2.54
